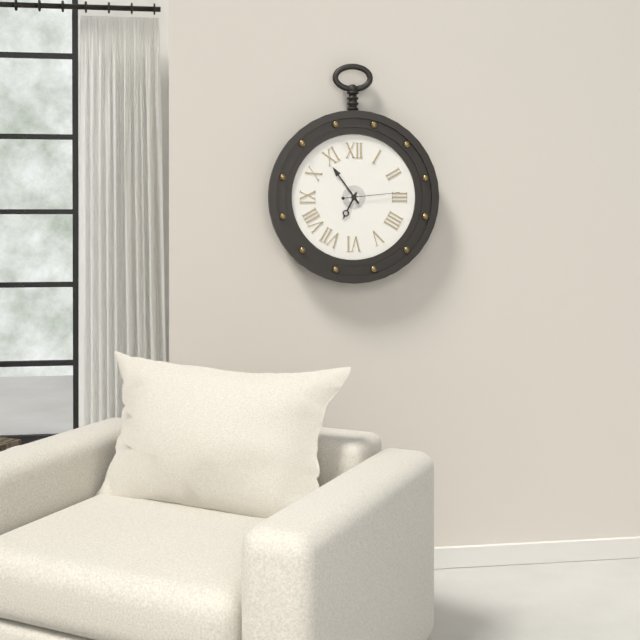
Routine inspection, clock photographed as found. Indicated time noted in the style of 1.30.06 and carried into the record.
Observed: 6.54.14
